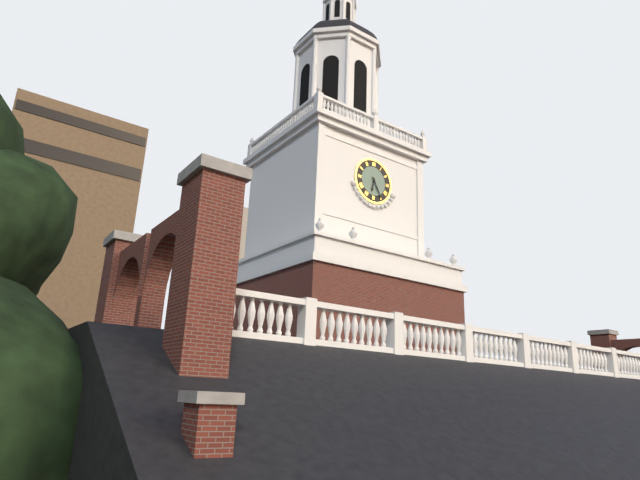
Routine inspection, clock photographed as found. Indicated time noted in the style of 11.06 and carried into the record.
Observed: 6.25
